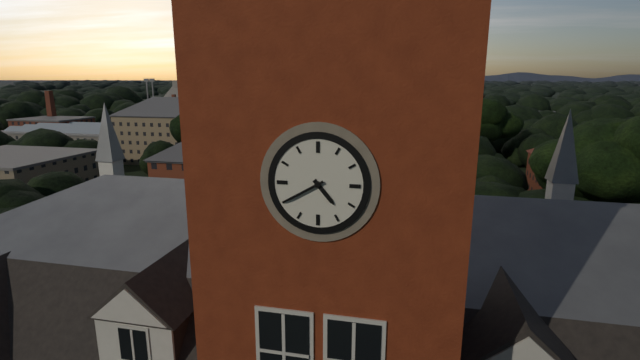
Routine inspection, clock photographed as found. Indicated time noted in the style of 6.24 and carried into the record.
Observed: 4.40
